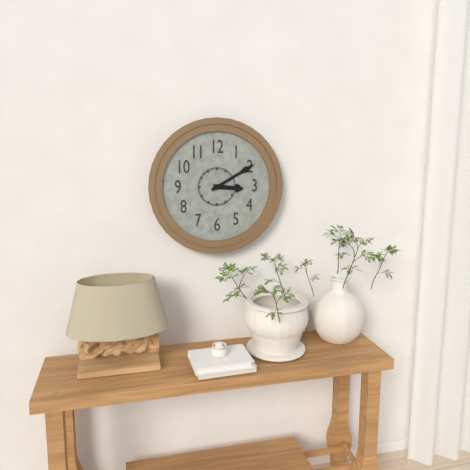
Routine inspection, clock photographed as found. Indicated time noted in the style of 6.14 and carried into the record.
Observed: 3.10
